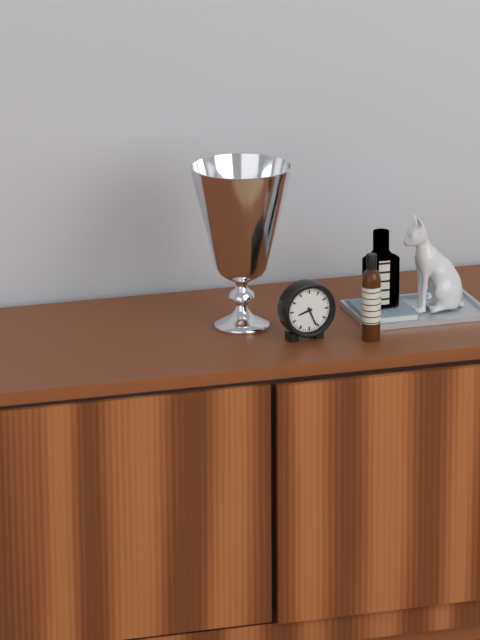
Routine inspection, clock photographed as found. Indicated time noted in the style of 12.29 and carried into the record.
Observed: 8.26
